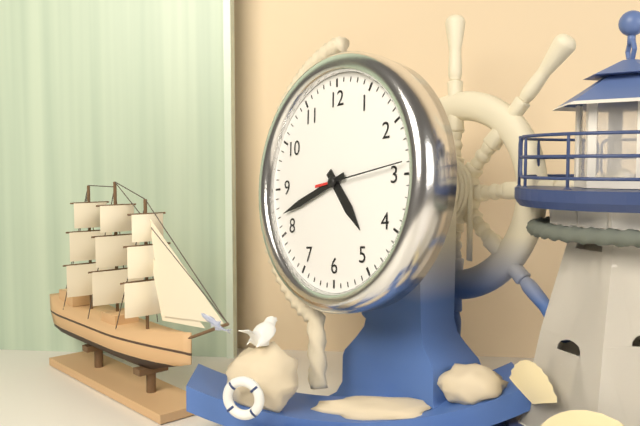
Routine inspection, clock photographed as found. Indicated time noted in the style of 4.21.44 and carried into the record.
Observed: 4.42.14
